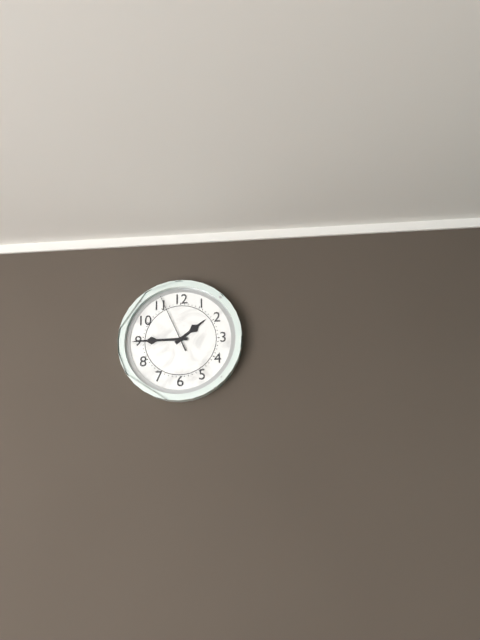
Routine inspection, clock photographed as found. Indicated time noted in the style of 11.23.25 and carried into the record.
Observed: 1.45.56
